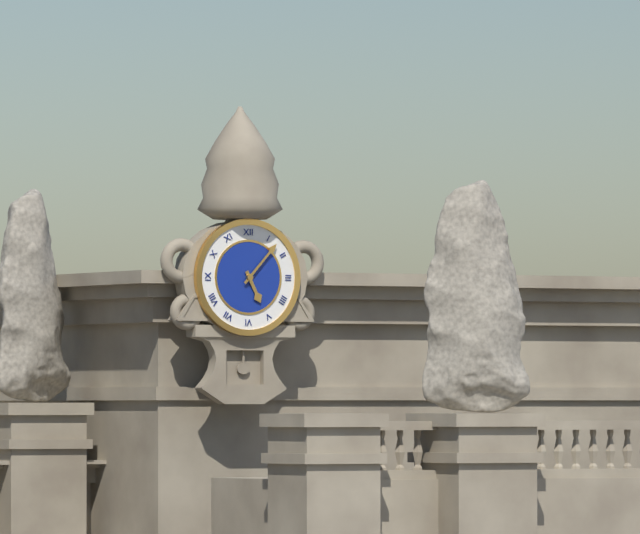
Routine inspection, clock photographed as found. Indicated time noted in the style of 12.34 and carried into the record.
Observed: 5.07
